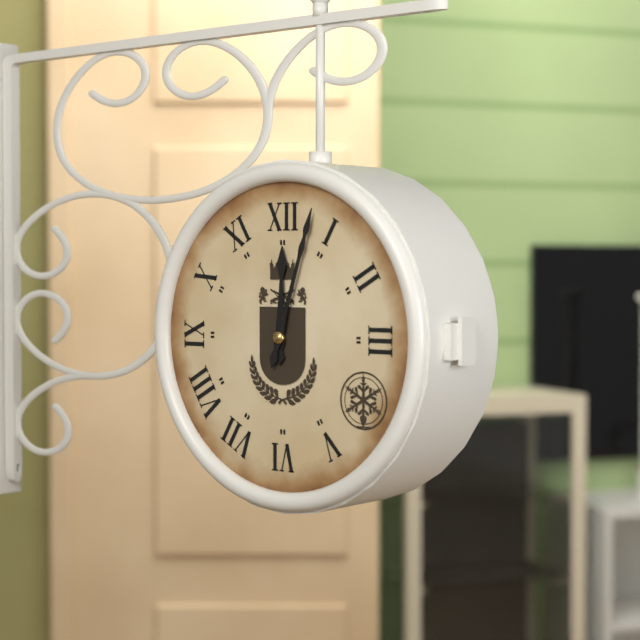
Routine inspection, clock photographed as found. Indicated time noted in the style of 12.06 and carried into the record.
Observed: 12.03
